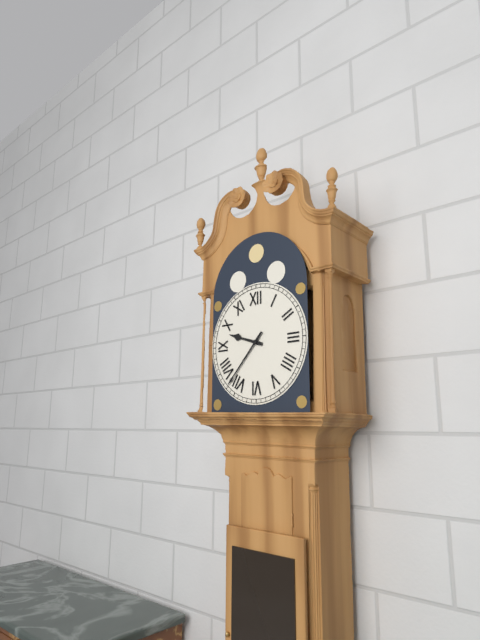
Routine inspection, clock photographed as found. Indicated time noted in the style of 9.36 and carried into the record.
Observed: 9.37
